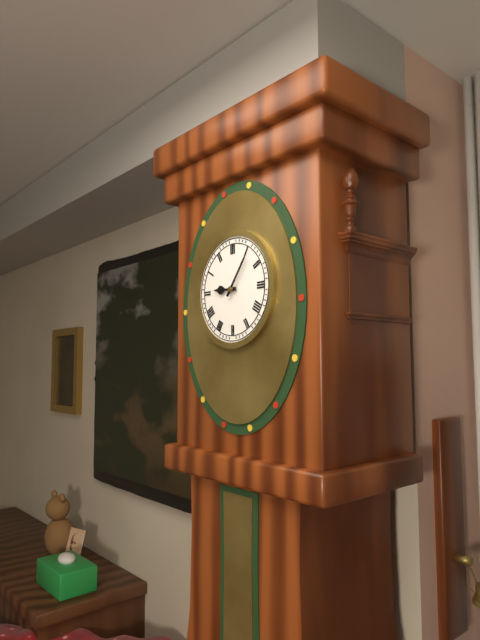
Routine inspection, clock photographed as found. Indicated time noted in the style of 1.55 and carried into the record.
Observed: 9.06
